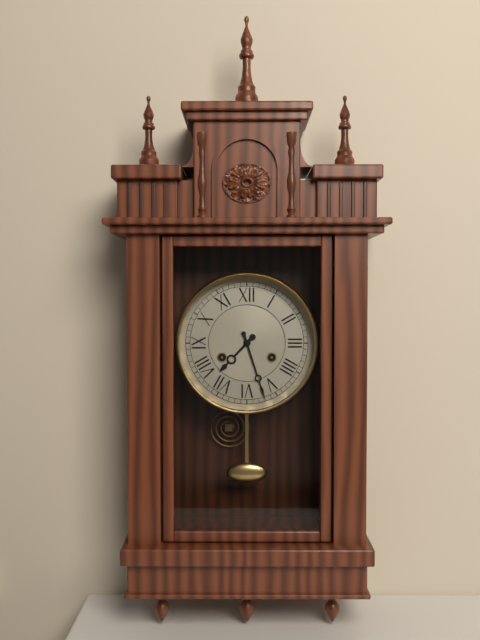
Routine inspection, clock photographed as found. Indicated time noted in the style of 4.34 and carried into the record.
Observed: 7.27
